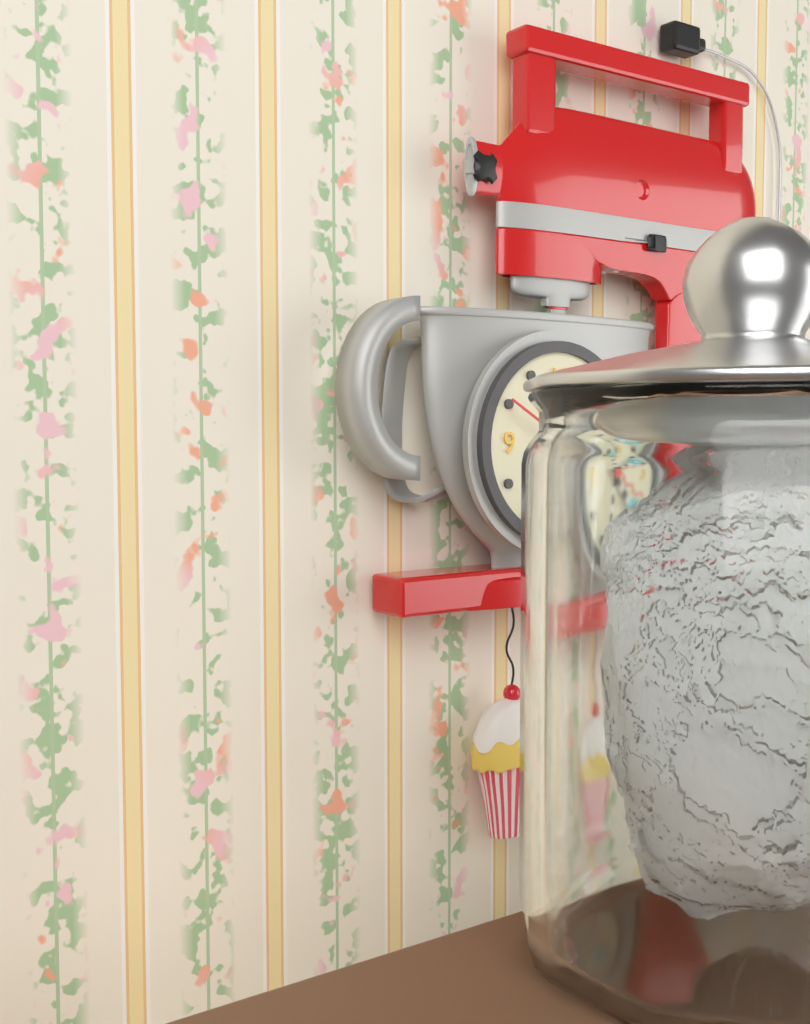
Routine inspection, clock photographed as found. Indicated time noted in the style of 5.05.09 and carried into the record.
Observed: 4.33.50
